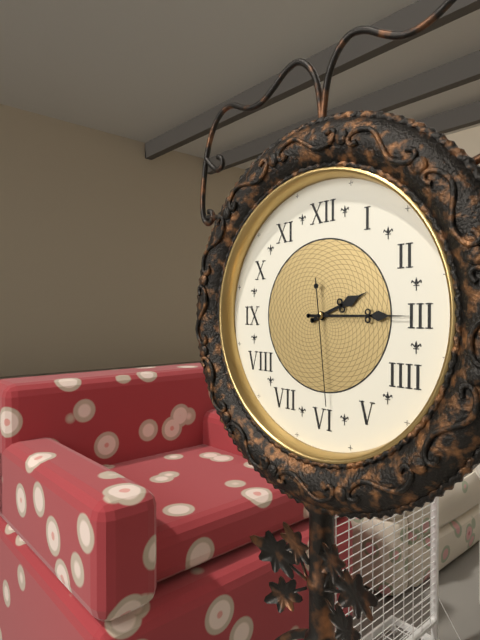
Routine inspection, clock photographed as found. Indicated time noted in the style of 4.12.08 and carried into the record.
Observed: 2.15.29
